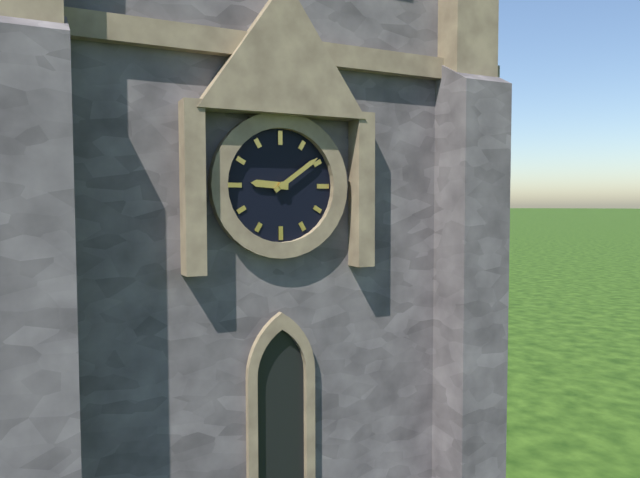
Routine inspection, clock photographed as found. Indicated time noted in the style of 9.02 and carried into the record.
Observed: 9.09
